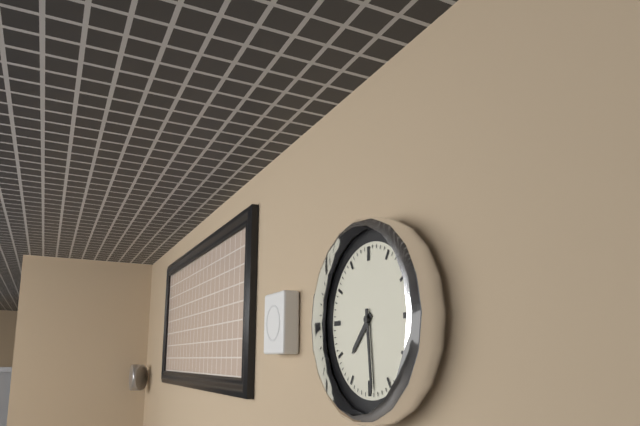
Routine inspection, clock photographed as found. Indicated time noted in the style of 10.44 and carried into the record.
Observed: 7.29
